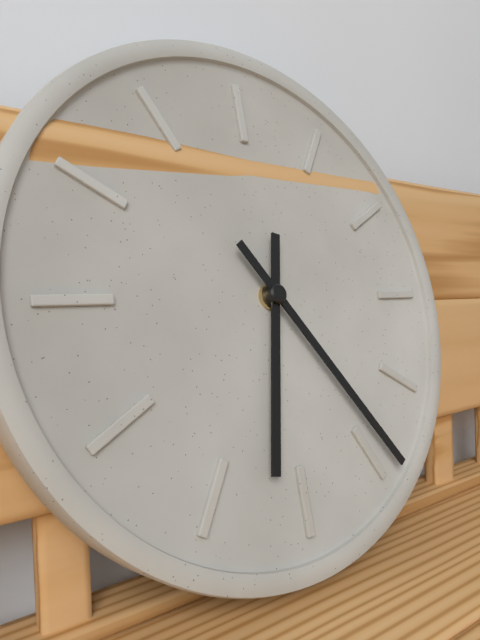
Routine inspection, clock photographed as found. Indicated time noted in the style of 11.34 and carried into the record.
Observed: 6.24
